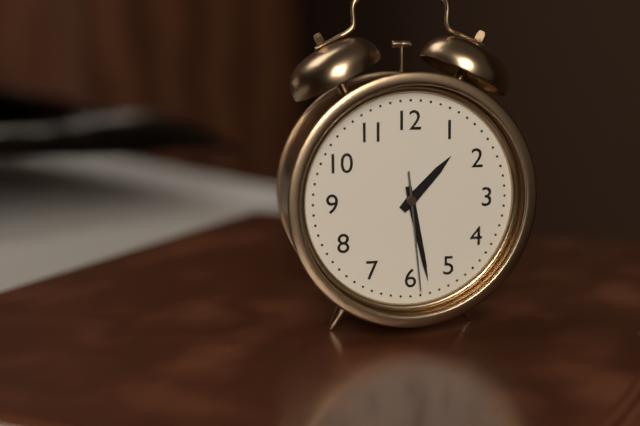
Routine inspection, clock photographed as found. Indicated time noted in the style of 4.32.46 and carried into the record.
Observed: 1.28.29
